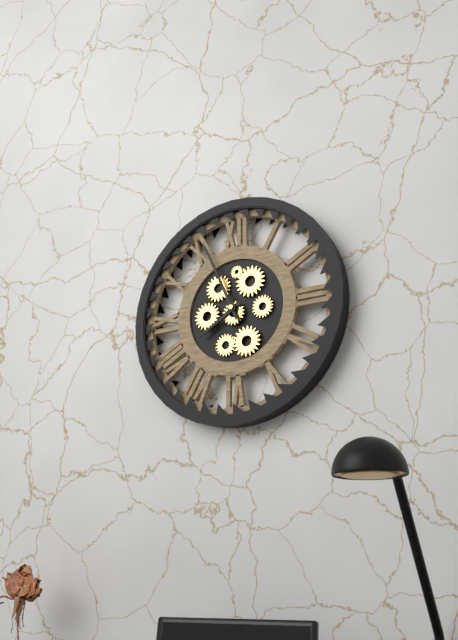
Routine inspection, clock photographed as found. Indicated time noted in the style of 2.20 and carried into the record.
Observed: 7.56
